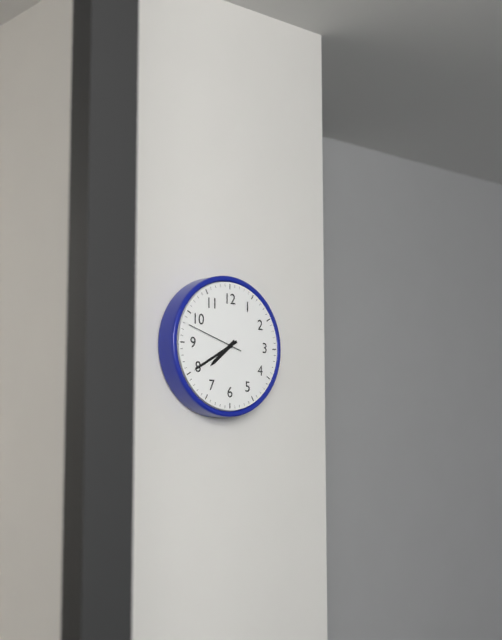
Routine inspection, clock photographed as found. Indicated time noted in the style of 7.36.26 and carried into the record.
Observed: 7.40.48
